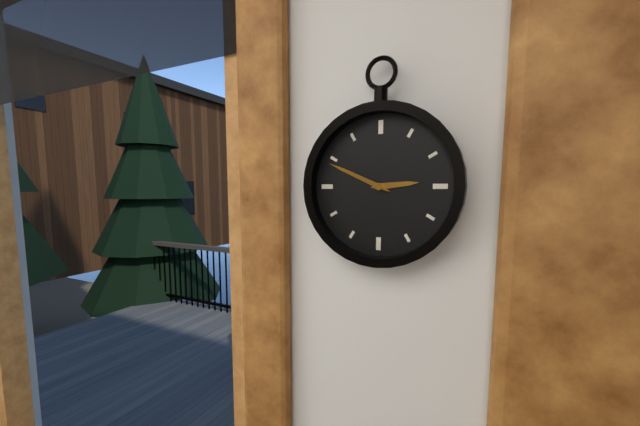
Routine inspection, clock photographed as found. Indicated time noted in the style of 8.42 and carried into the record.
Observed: 2.49
